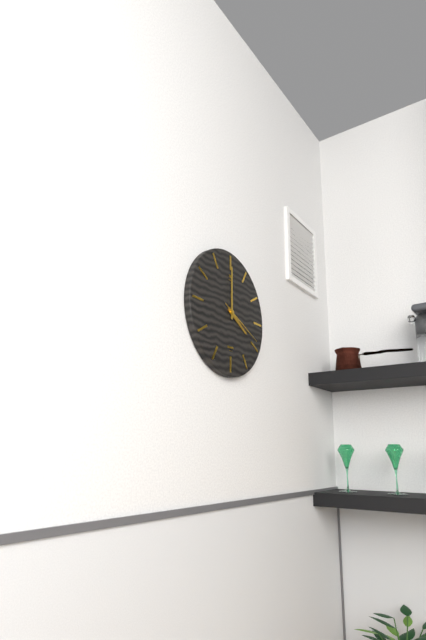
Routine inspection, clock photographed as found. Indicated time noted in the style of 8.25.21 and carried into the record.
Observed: 4.00.19
